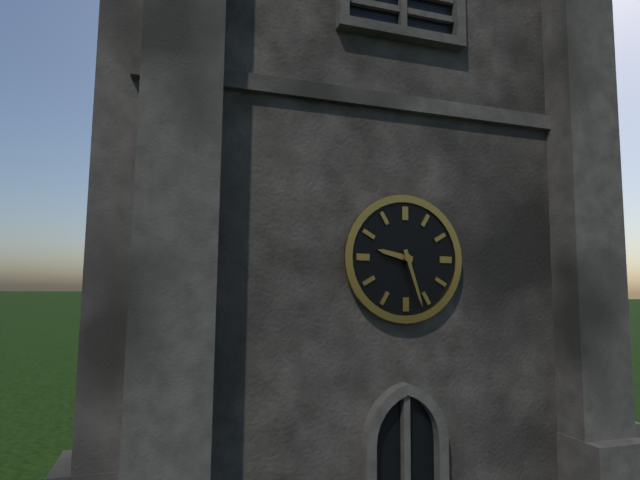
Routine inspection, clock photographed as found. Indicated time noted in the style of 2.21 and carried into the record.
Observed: 9.27
